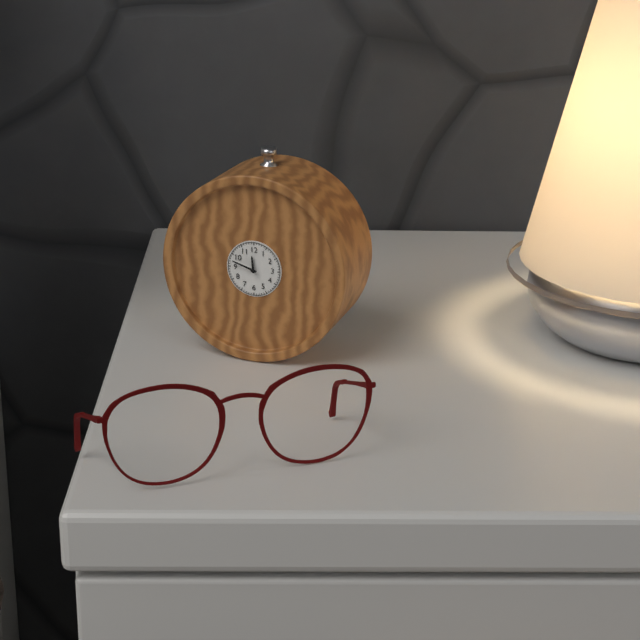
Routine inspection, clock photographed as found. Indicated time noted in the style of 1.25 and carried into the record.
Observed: 11.48
